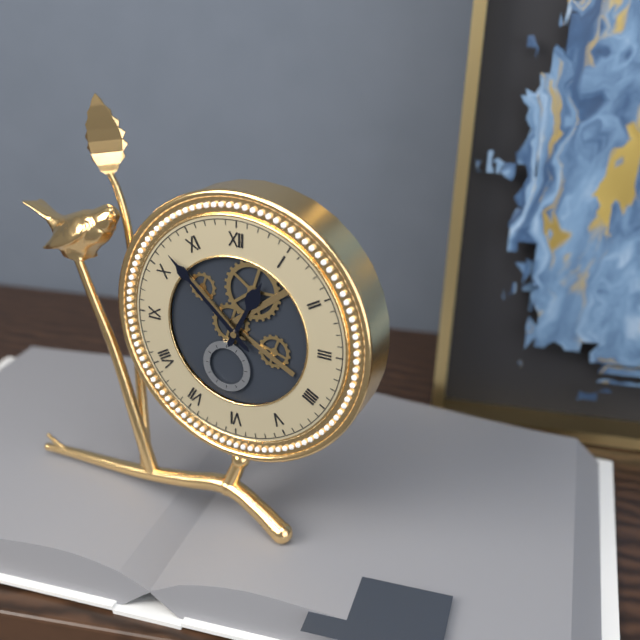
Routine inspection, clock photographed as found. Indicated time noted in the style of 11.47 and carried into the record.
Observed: 12.52
